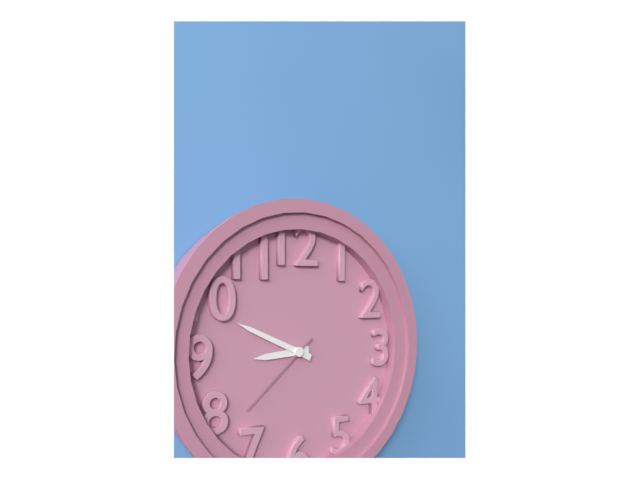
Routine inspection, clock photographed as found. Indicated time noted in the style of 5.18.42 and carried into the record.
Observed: 8.49.38
